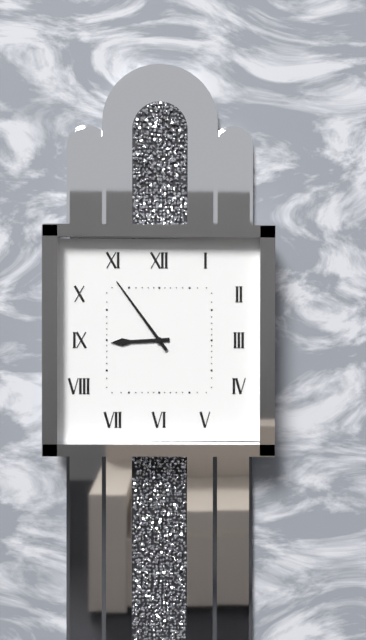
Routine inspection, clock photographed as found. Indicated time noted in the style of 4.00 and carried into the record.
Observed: 8.54
